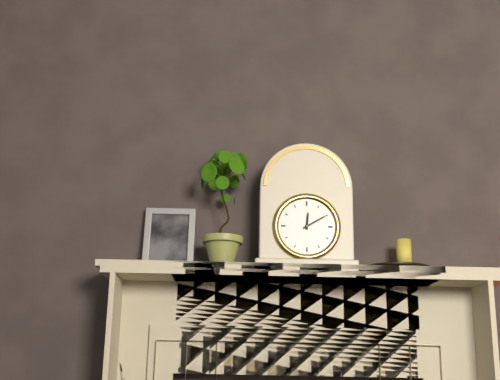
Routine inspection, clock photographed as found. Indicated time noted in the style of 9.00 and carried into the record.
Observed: 12.10
